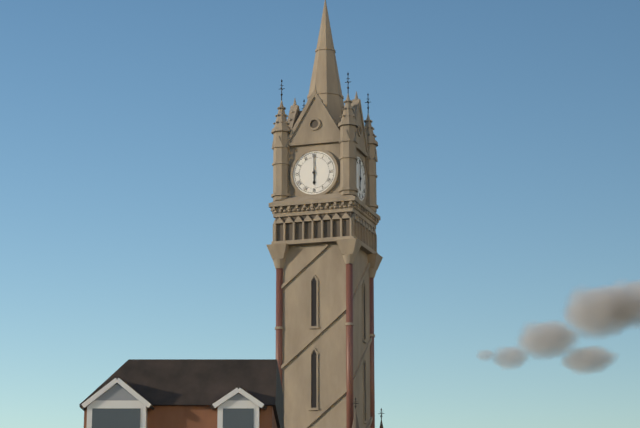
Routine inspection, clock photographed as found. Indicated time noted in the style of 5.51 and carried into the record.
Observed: 6.00
